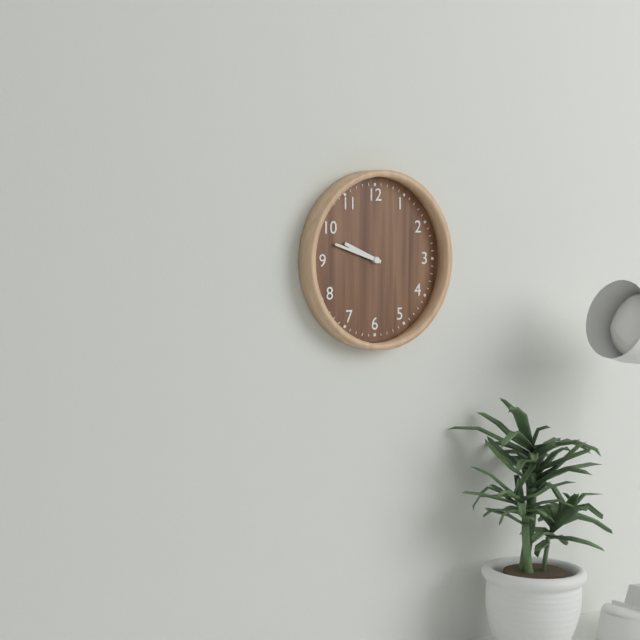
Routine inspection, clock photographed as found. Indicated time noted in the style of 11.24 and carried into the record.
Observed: 9.48
